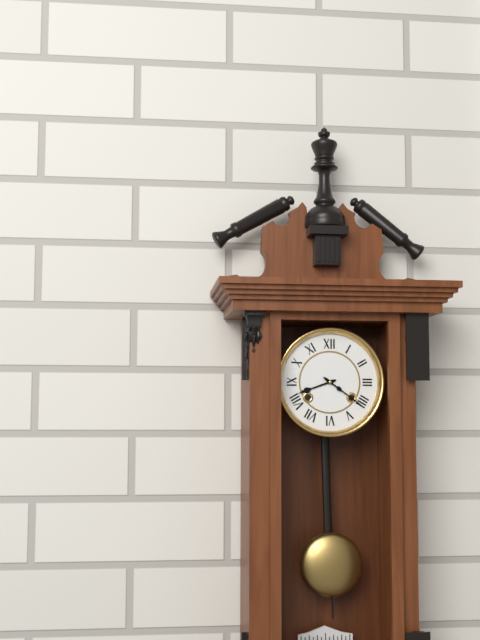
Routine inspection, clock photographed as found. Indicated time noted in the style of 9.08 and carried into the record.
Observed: 8.21
